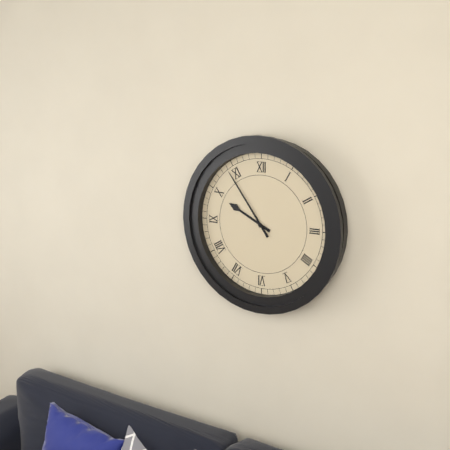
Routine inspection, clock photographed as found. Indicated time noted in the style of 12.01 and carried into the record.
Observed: 9.54
